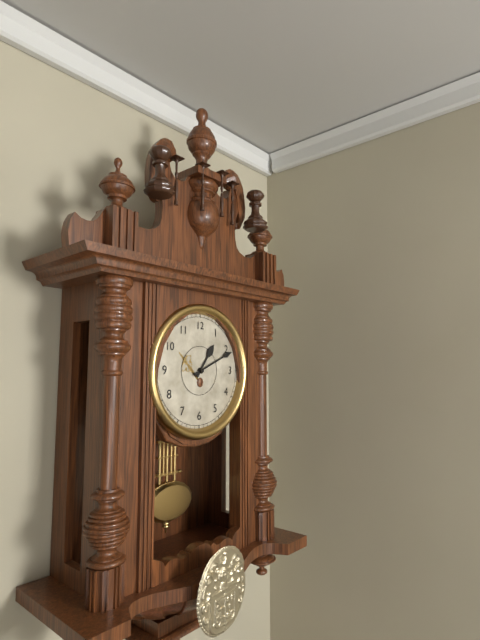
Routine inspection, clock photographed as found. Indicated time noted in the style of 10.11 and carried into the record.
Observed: 1.11
